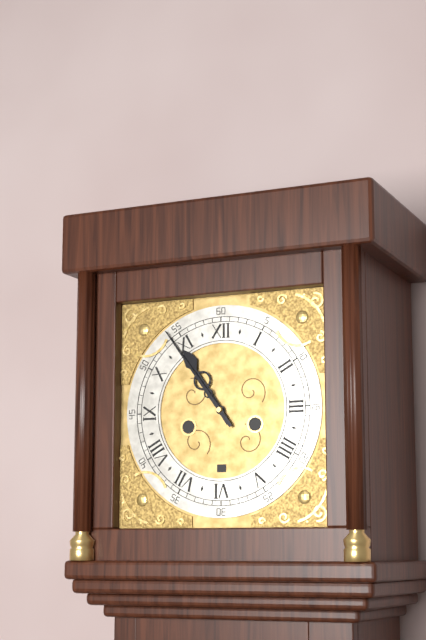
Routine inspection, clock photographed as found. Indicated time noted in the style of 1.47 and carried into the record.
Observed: 10.54
